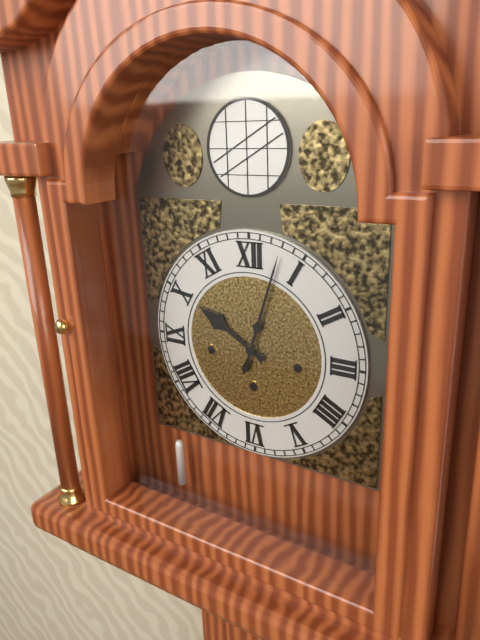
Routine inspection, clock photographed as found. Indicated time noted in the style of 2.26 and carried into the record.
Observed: 10.03
